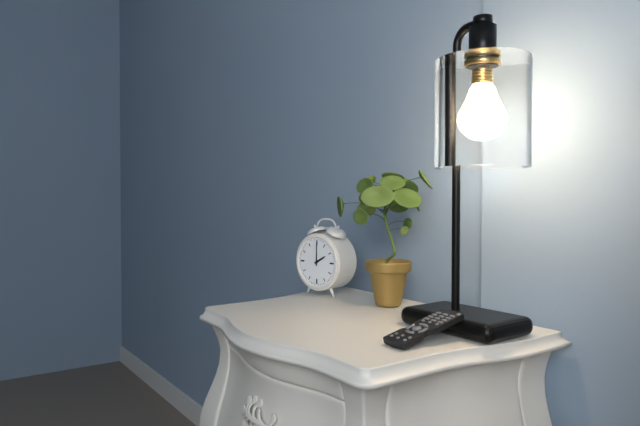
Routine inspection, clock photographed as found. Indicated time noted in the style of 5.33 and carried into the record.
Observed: 2.00
